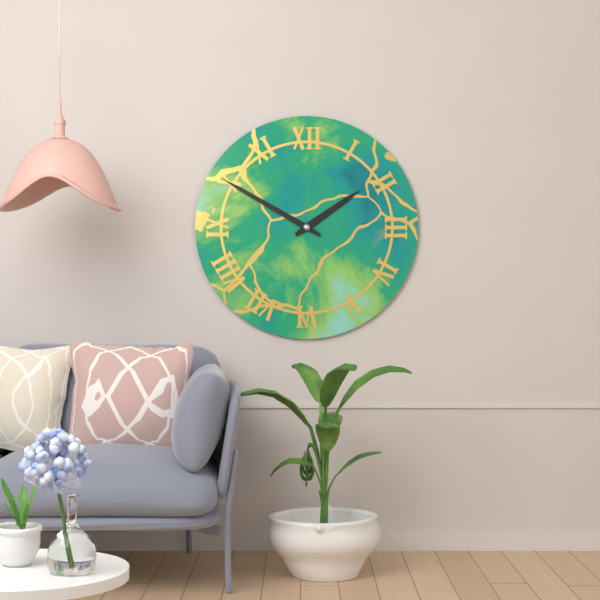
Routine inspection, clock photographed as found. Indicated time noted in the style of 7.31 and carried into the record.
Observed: 1.50
